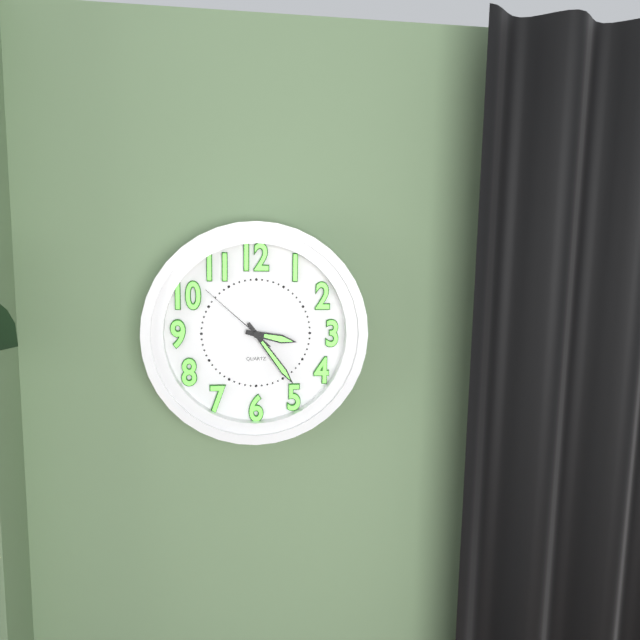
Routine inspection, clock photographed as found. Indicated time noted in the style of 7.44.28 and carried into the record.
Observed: 3.24.52
